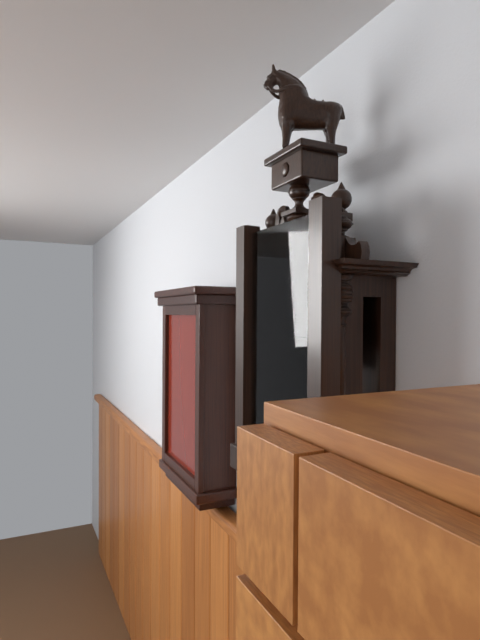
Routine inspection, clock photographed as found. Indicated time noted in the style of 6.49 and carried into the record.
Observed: 3.36
